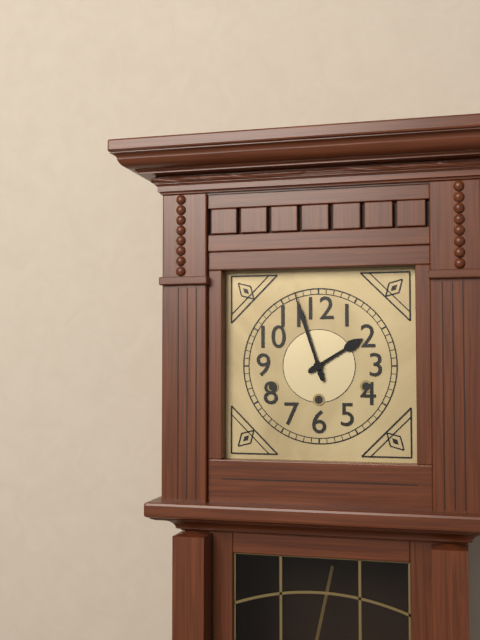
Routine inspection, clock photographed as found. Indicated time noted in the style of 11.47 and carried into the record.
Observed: 1.57
